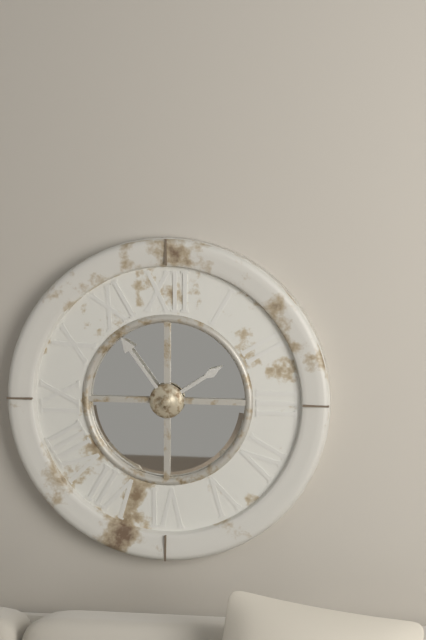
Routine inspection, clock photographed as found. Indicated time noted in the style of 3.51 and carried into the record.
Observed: 1.54
